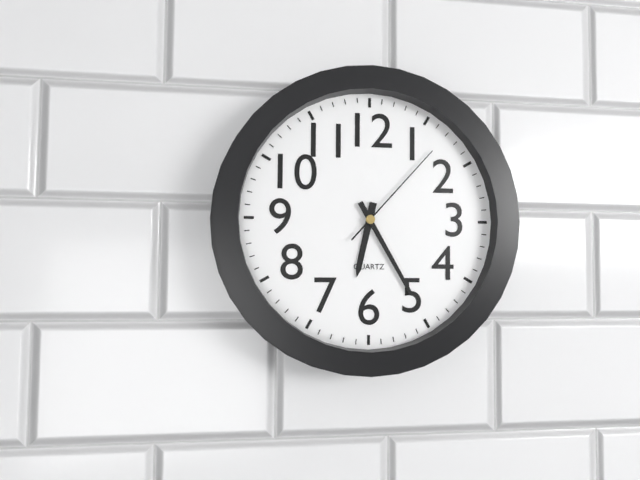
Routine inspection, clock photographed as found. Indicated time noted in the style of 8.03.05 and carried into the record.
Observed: 6.25.07
